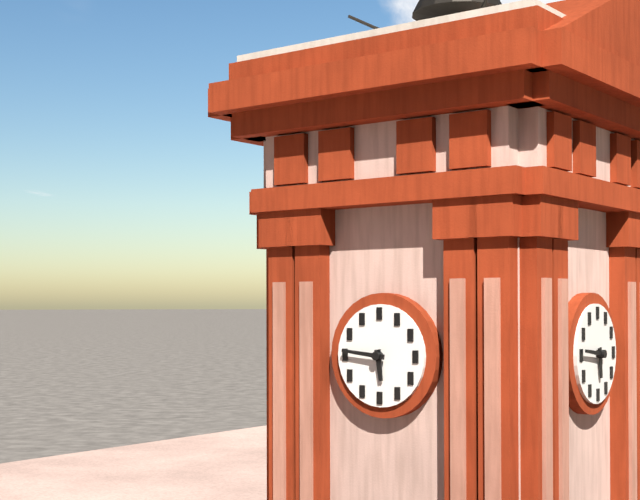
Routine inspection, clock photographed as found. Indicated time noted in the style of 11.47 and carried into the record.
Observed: 5.46
